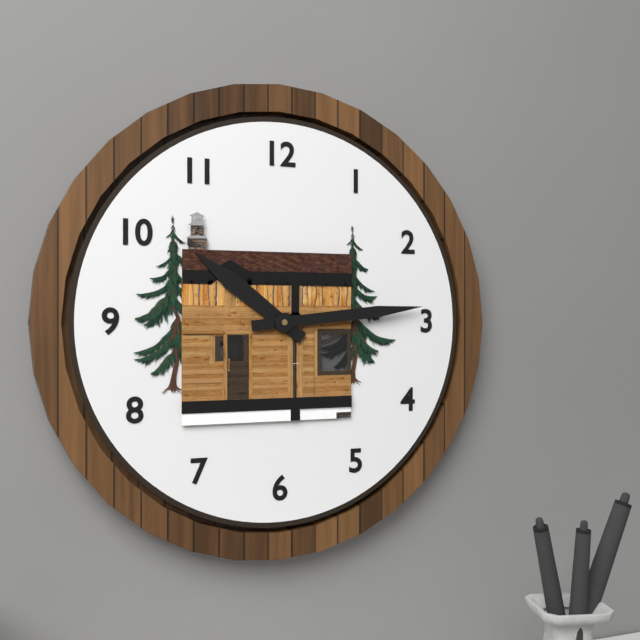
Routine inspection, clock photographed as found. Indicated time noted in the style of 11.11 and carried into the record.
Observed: 10.14
